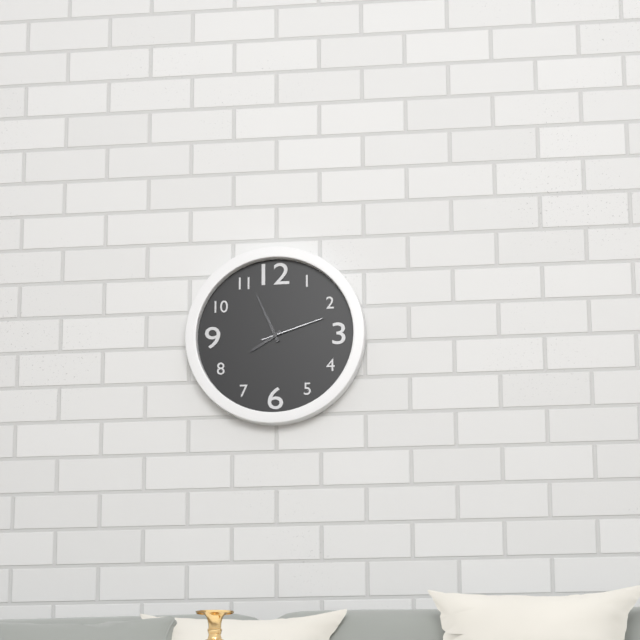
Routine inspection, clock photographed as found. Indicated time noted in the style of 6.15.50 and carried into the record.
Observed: 7.56.12
